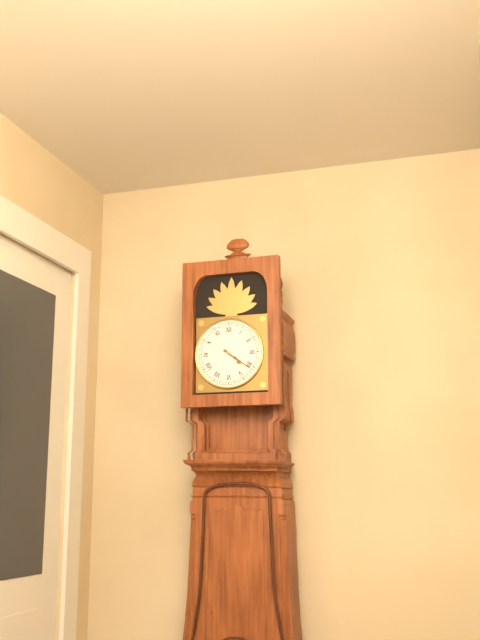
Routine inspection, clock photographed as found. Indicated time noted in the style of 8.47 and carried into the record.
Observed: 4.21
